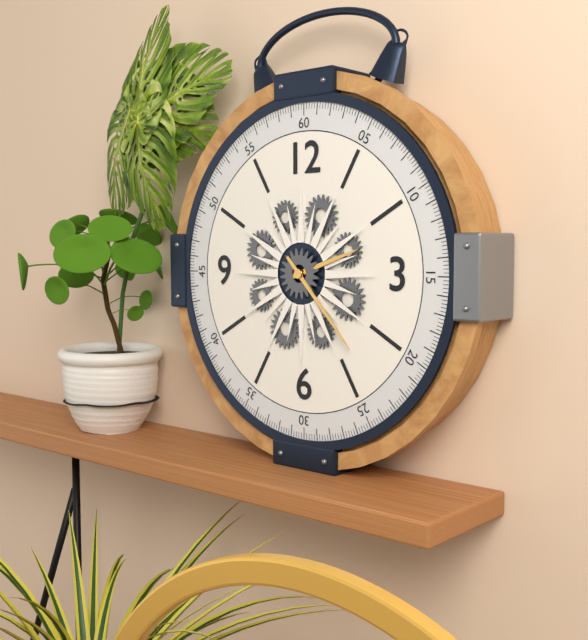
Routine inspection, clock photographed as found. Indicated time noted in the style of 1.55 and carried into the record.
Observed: 2.23
